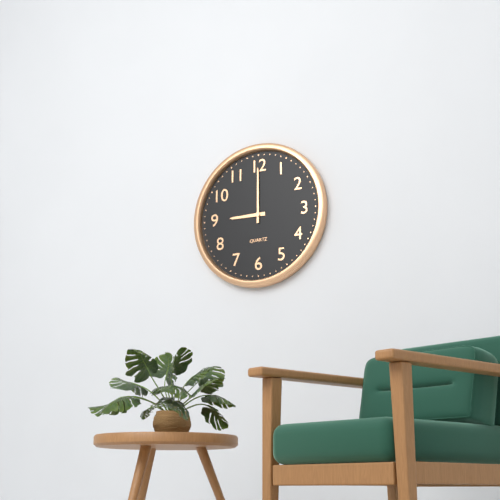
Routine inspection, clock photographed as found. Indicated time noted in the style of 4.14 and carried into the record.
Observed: 9.00
